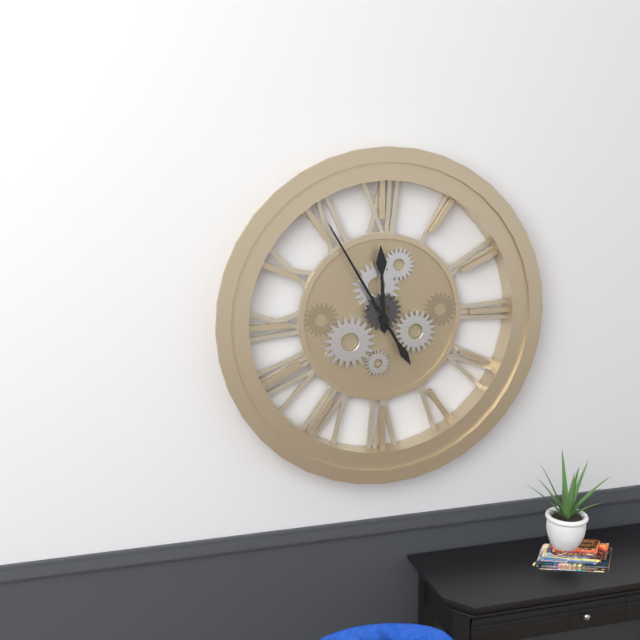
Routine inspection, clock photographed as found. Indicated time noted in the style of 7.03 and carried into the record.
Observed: 11.55
